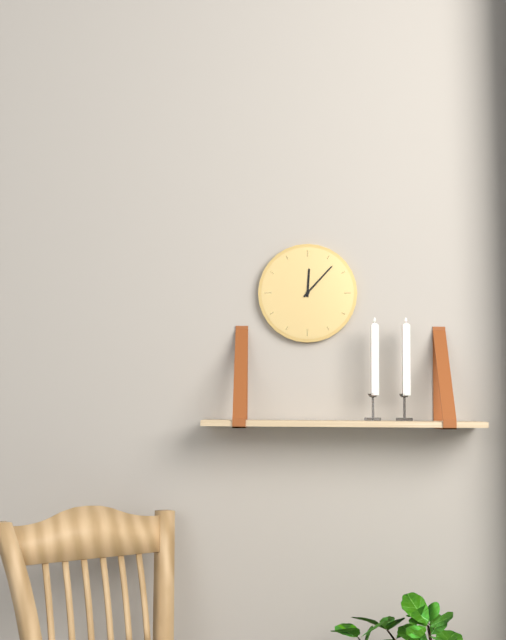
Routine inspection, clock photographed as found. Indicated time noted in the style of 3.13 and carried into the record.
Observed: 12.07
